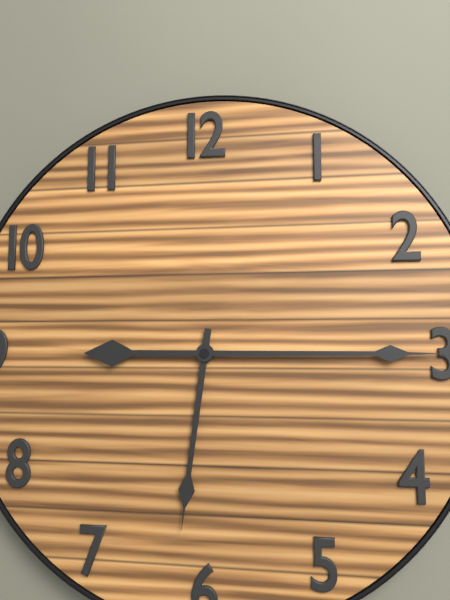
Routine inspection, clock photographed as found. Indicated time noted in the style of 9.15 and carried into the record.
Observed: 6.15
